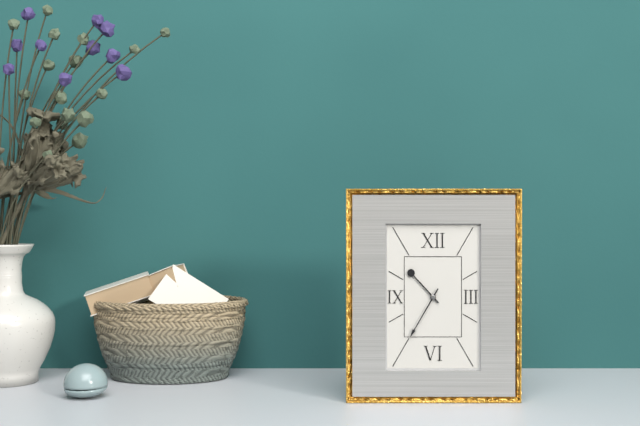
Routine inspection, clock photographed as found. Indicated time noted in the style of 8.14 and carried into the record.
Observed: 10.35
